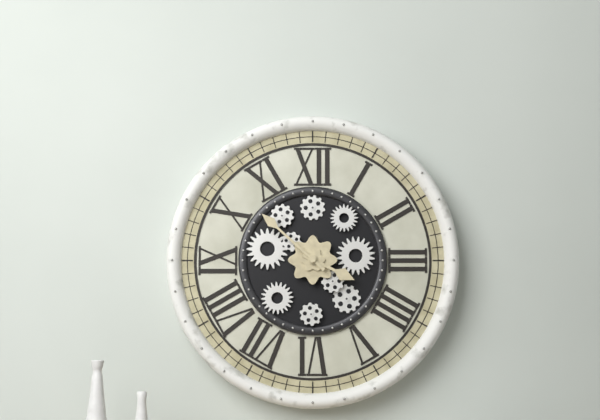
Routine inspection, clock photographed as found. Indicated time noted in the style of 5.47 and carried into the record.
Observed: 3.52
